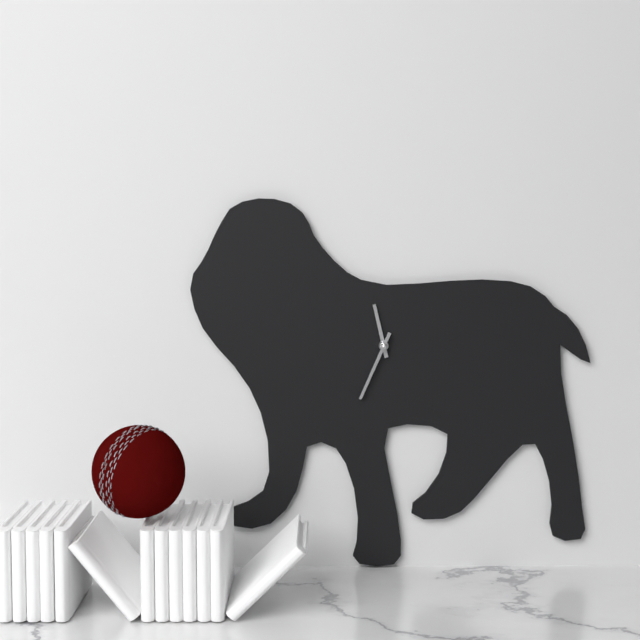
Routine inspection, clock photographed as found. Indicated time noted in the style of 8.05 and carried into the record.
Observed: 11.34
